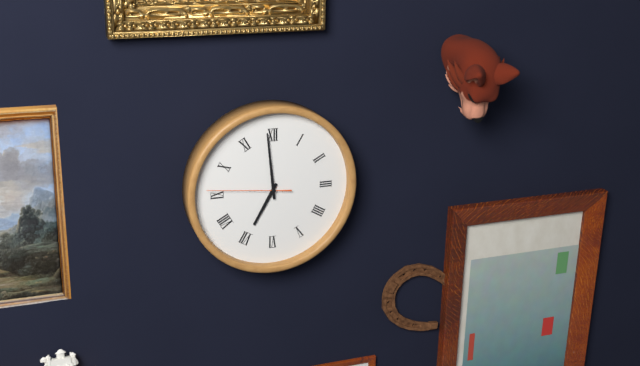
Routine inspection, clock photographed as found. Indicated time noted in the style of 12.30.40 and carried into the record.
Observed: 6.59.46
